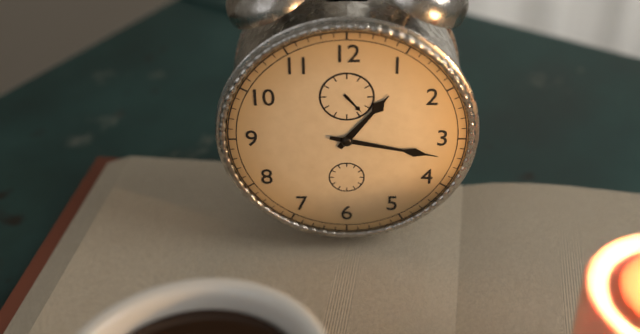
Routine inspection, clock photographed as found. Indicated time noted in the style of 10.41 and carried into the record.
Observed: 1.17
